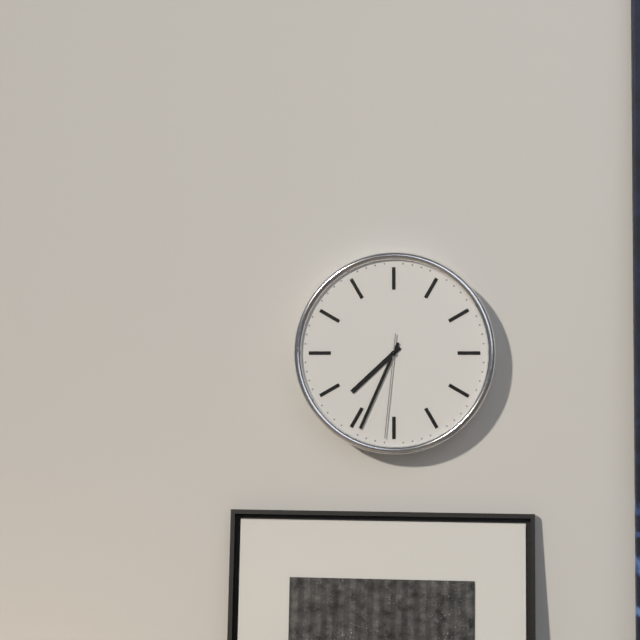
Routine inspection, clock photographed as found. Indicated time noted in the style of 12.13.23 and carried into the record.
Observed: 7.34.31
